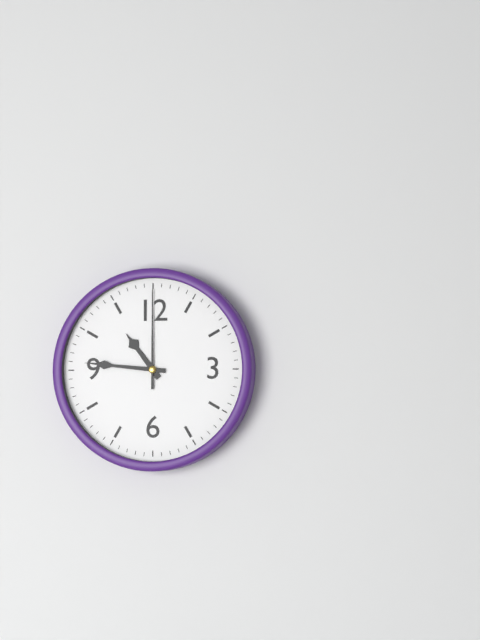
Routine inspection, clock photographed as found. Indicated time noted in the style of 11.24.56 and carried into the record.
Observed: 10.46.00
